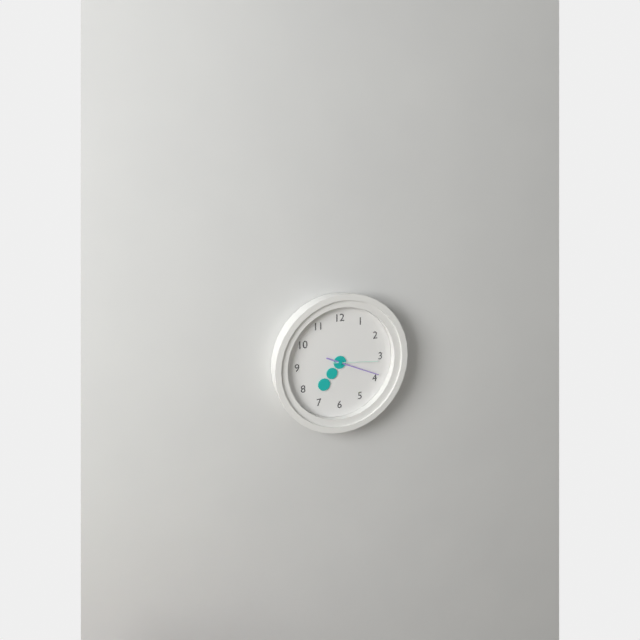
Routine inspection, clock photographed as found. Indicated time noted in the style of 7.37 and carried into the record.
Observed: 7.19
